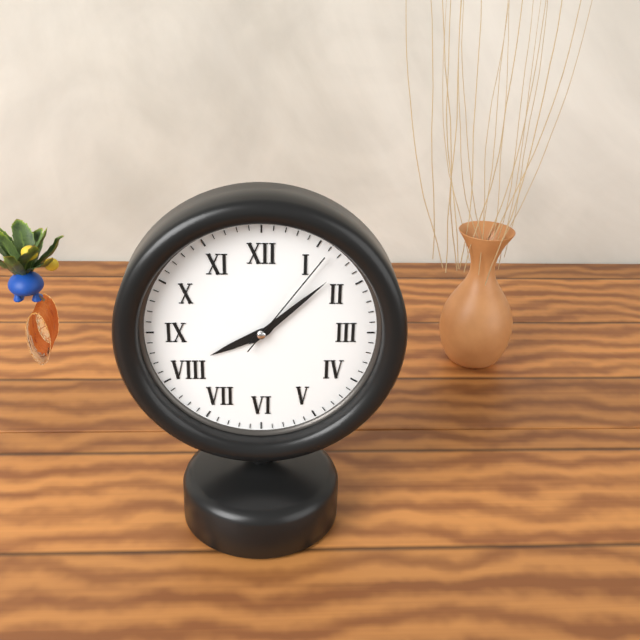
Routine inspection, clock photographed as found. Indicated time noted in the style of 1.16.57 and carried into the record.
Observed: 8.08.06
